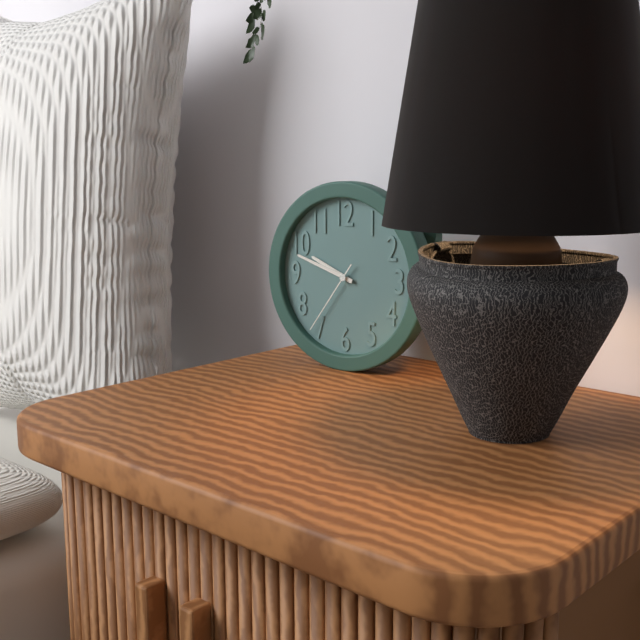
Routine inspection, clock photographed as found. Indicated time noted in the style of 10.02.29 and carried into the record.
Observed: 9.48.36
